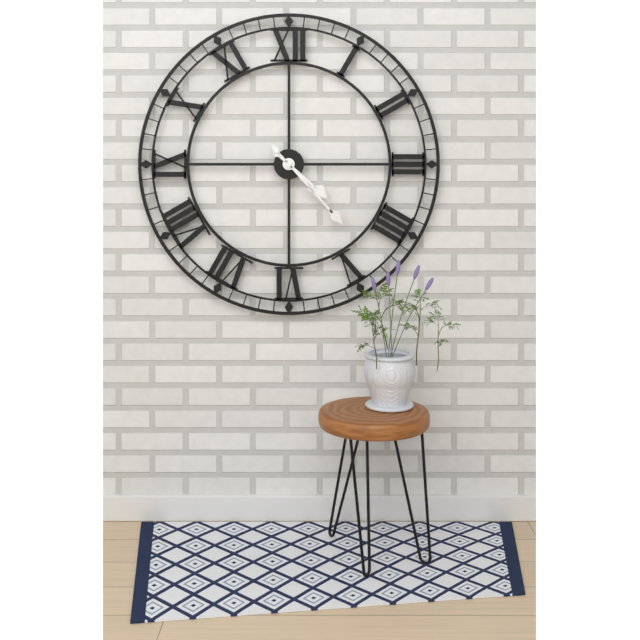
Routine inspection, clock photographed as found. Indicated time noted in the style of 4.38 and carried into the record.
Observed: 4.23
